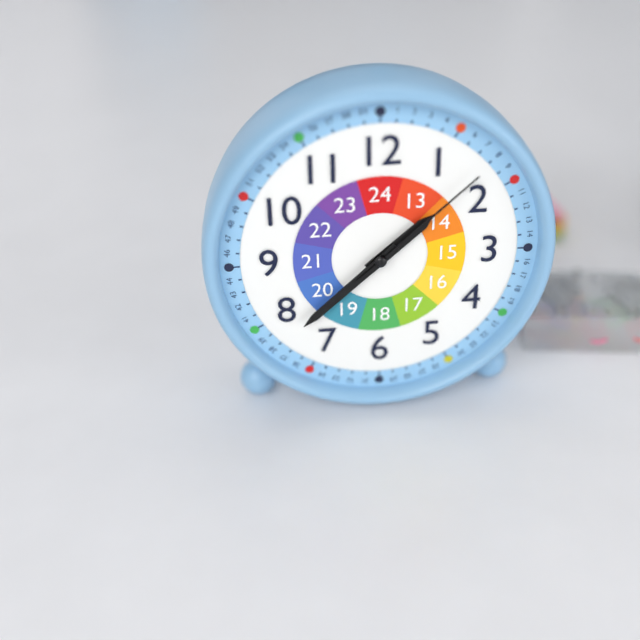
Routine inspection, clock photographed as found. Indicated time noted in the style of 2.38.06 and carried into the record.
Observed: 1.38.08
